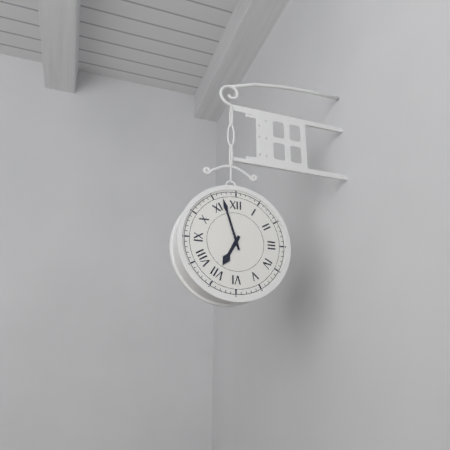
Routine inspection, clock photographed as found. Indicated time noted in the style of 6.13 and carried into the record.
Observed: 6.57
